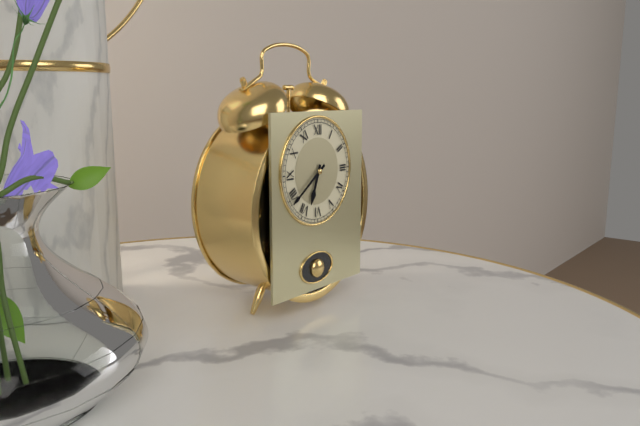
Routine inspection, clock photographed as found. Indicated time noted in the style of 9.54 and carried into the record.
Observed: 6.39
